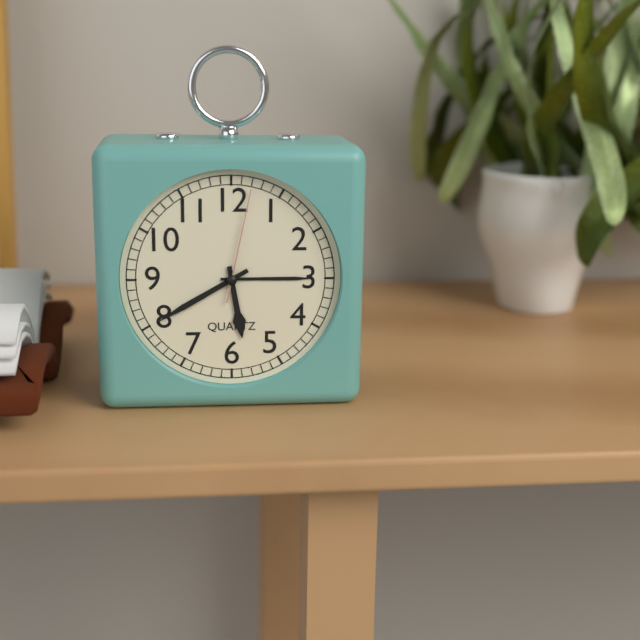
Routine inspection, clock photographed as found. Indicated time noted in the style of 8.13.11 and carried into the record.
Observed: 5.40.02
